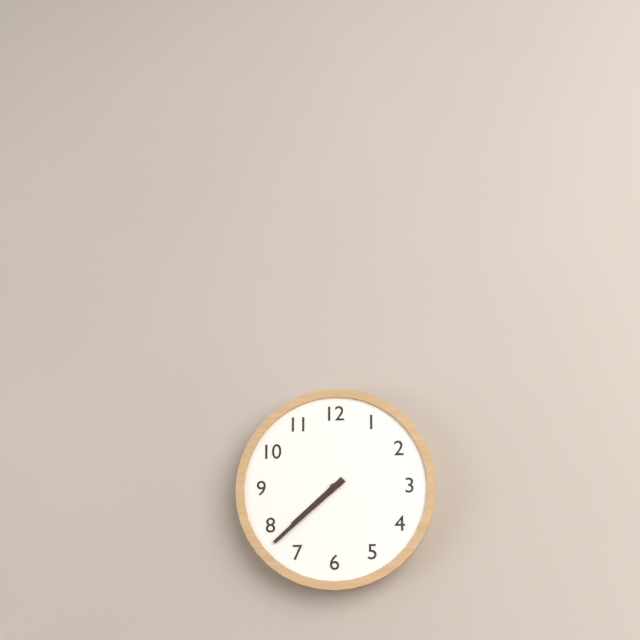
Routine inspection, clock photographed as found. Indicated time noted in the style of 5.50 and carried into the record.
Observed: 7.38
